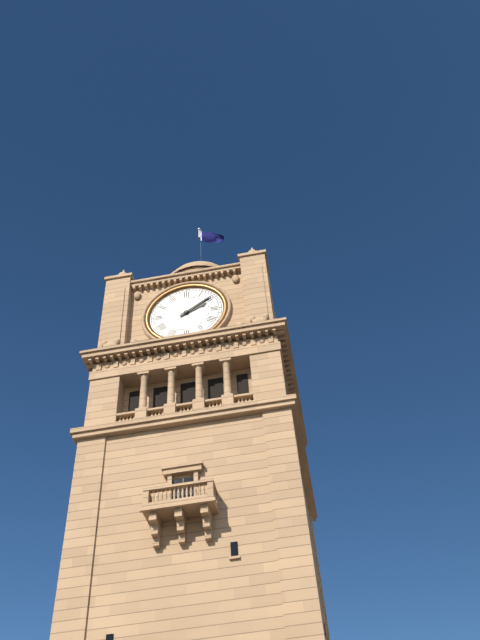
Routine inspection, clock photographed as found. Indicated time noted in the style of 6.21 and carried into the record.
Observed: 2.09
